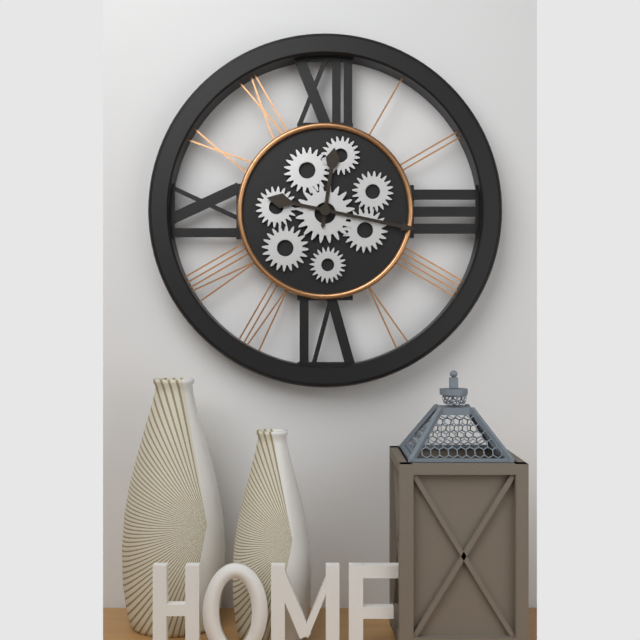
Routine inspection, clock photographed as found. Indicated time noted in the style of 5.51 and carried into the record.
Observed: 12.17
